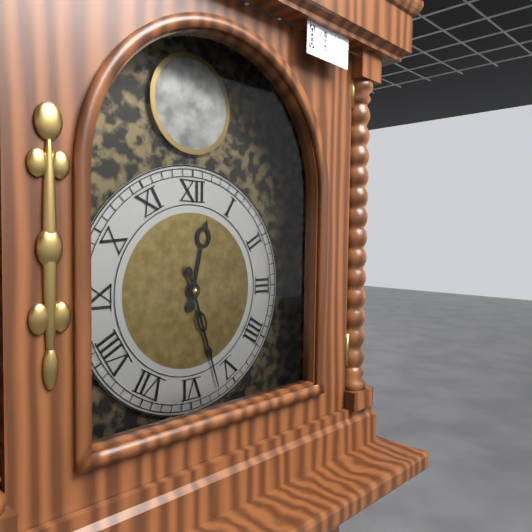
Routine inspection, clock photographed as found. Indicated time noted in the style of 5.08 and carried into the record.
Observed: 12.27
